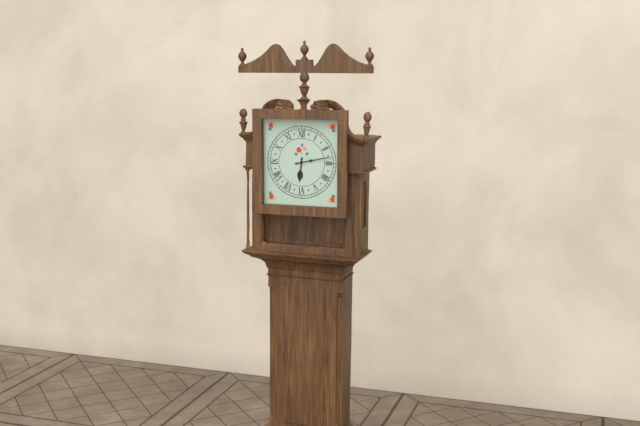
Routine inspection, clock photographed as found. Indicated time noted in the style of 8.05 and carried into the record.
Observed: 6.13
